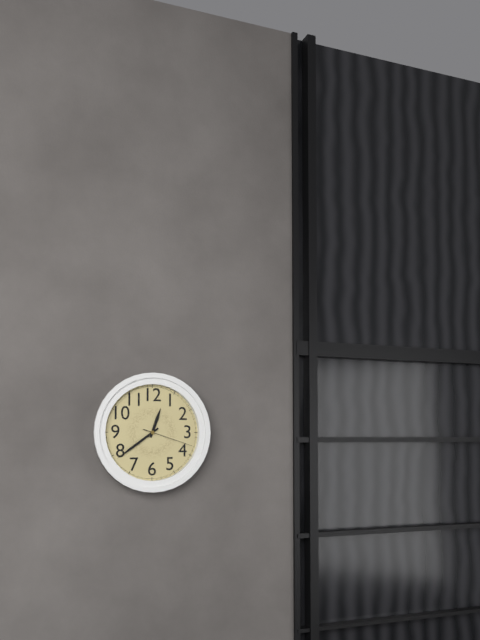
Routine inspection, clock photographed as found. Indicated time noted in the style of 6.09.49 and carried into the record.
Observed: 12.39.18
